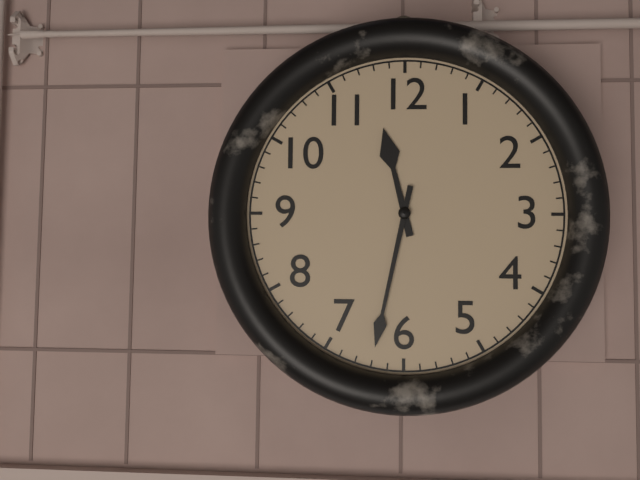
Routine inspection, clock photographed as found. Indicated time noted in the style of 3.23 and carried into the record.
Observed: 11.32
